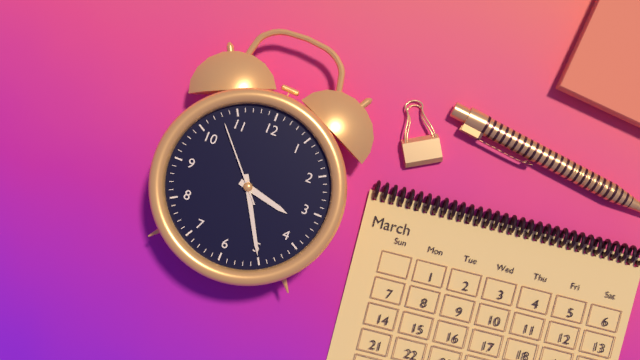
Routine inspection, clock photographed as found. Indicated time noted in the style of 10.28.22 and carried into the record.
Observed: 3.25.53
